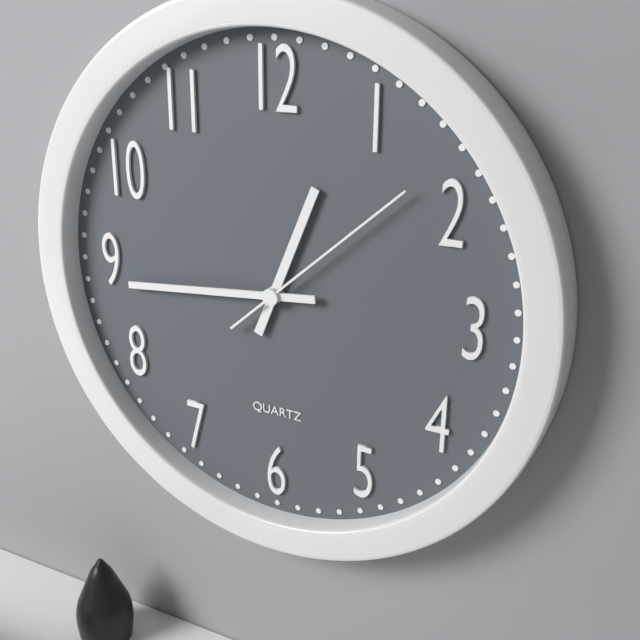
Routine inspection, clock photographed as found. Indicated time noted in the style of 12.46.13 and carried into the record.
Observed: 12.44.08
